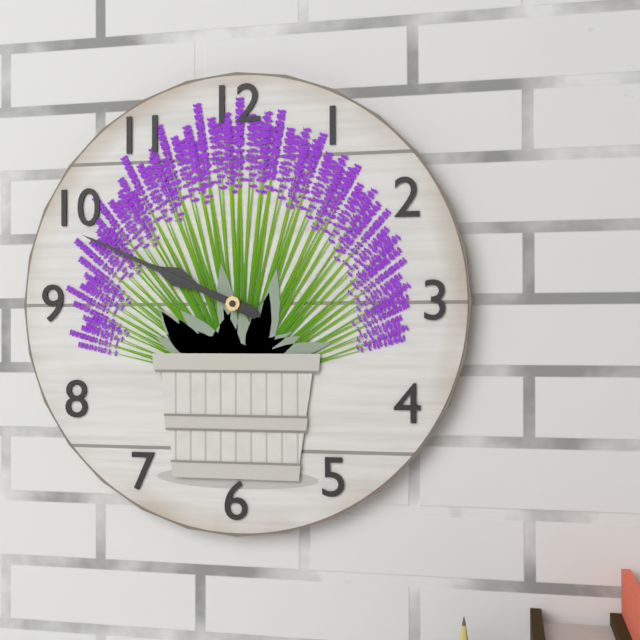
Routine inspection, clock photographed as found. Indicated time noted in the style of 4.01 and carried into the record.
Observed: 9.49
